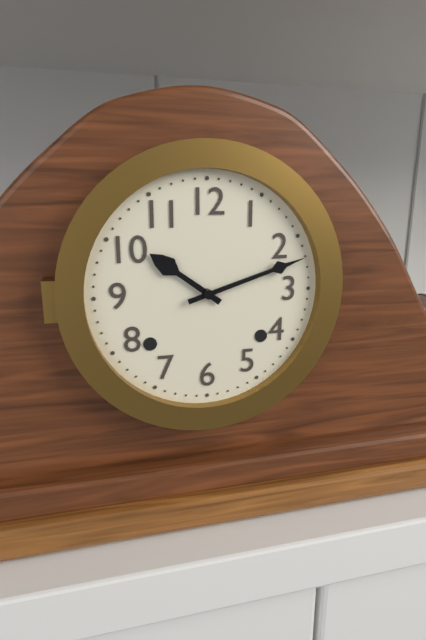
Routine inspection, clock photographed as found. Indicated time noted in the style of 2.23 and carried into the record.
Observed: 10.12
